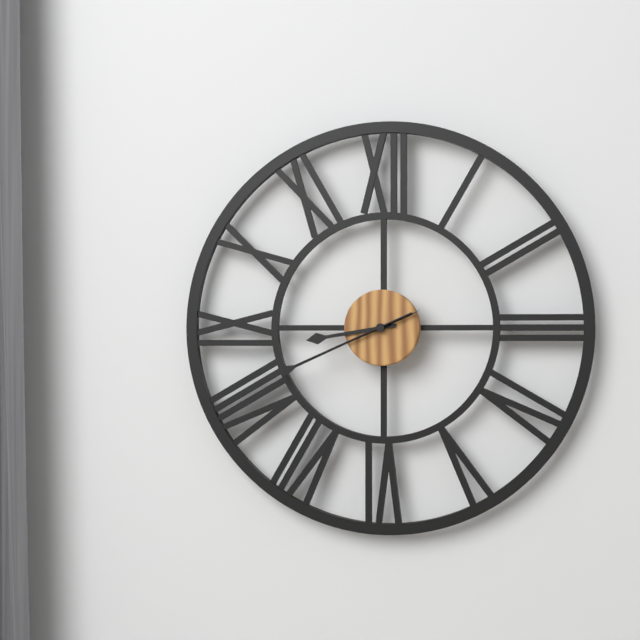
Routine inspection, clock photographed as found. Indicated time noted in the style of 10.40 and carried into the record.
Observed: 8.41
